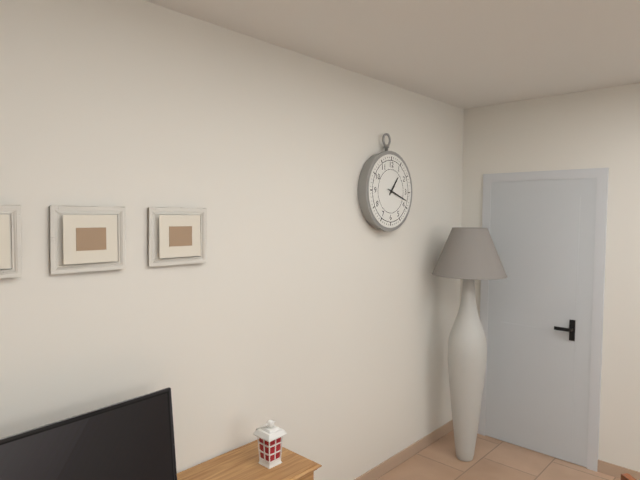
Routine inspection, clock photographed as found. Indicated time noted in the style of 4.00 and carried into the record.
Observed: 1.18
